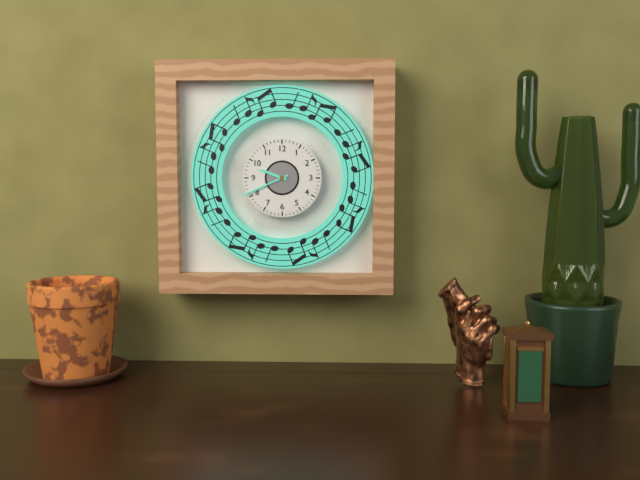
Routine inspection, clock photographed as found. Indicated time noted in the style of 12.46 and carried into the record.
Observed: 9.41
